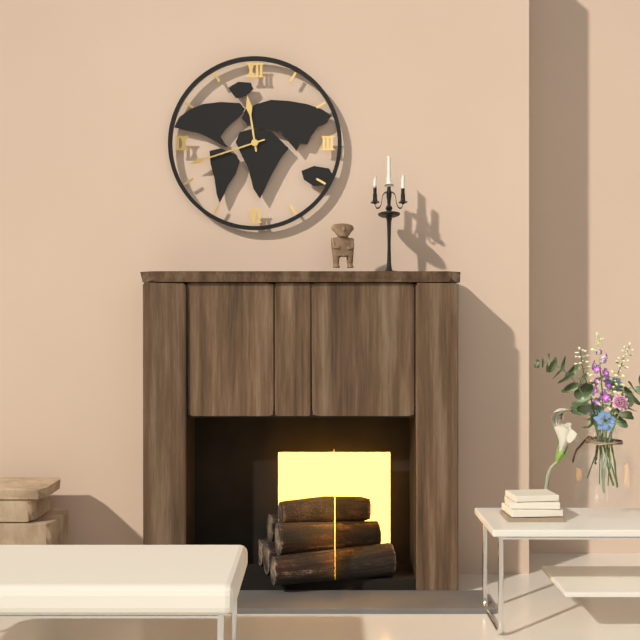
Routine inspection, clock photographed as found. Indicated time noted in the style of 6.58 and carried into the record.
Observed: 11.42
